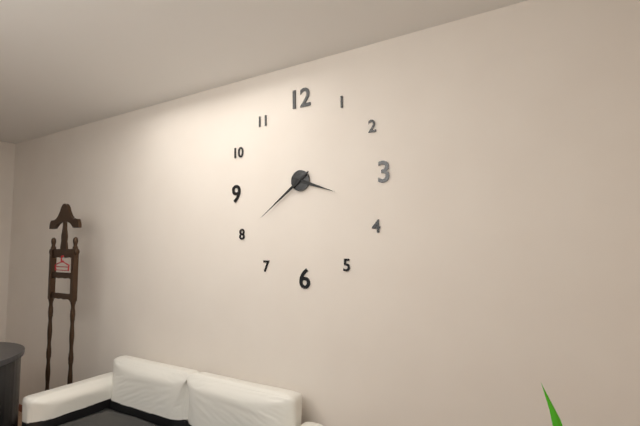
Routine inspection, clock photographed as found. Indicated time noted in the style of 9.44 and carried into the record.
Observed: 3.39
